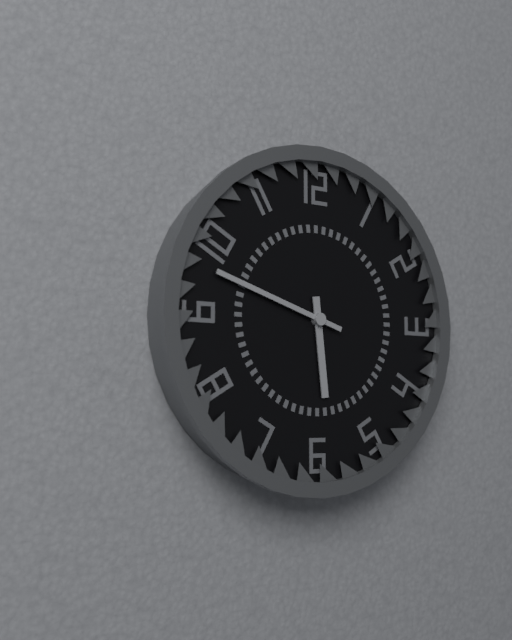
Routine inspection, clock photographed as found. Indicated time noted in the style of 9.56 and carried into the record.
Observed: 5.48
